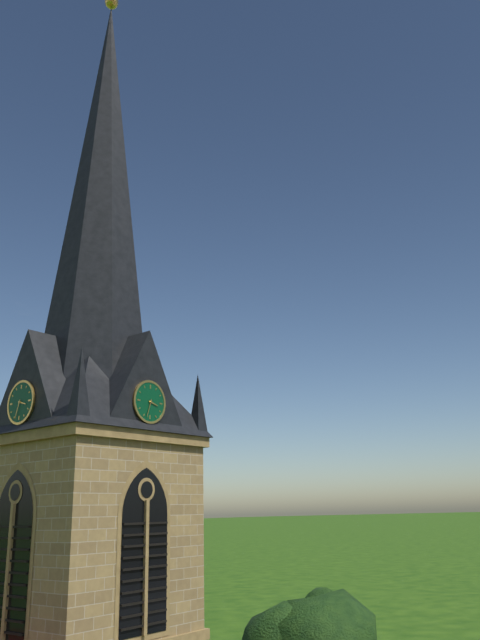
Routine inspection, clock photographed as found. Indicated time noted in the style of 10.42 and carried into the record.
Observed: 3.33
